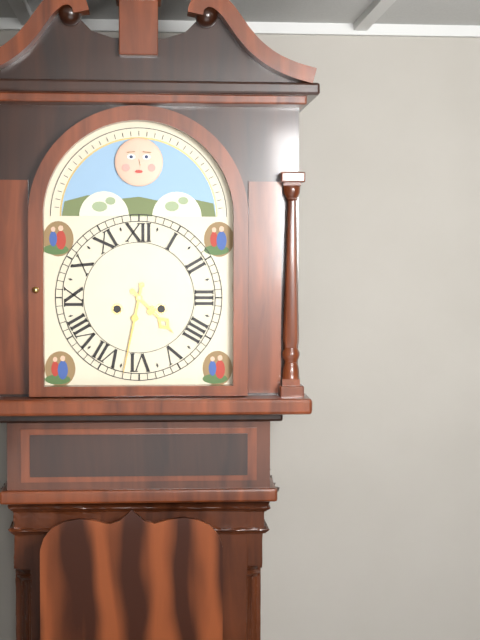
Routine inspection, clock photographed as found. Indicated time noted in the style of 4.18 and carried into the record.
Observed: 4.32
